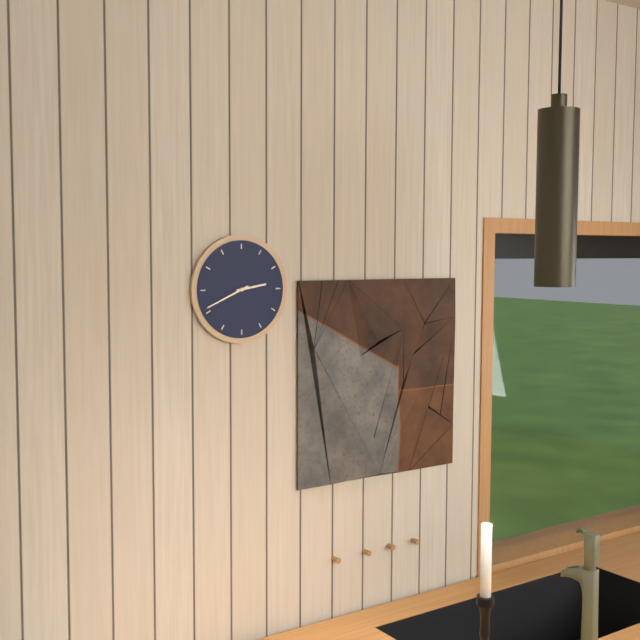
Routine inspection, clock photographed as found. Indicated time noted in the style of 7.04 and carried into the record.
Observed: 2.41
